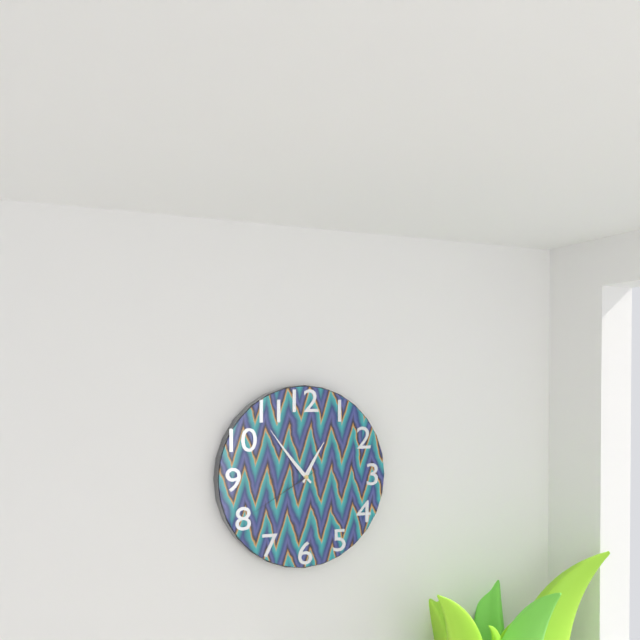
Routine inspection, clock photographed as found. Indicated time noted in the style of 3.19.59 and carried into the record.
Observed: 12.53.40
